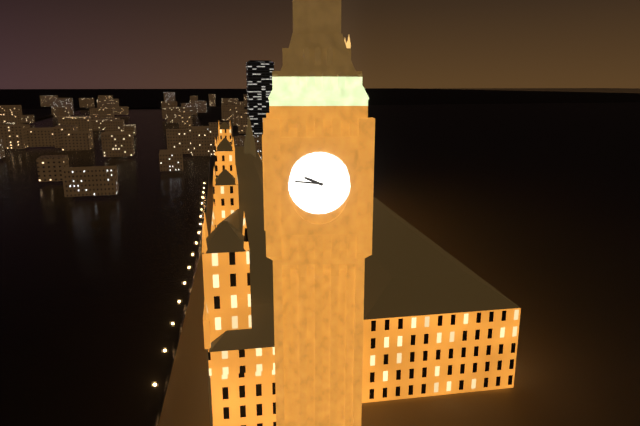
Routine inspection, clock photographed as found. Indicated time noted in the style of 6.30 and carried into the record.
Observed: 9.46
